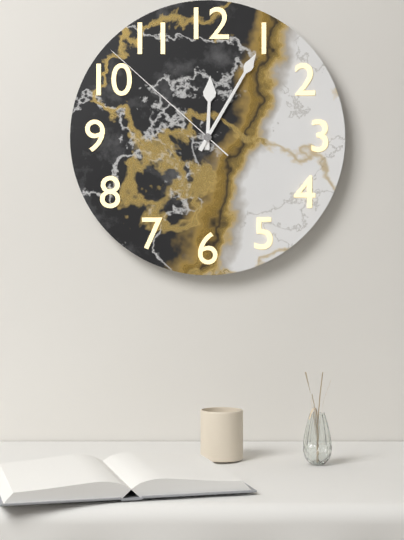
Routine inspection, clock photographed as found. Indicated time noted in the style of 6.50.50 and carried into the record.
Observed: 12.05.52
